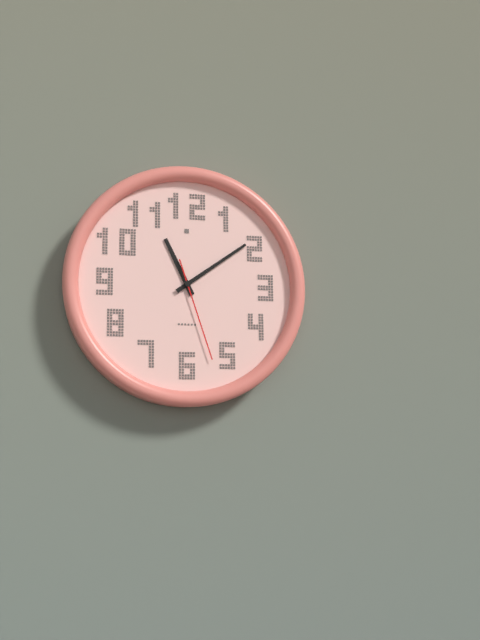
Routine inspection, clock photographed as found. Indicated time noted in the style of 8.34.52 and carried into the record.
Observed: 11.09.27
